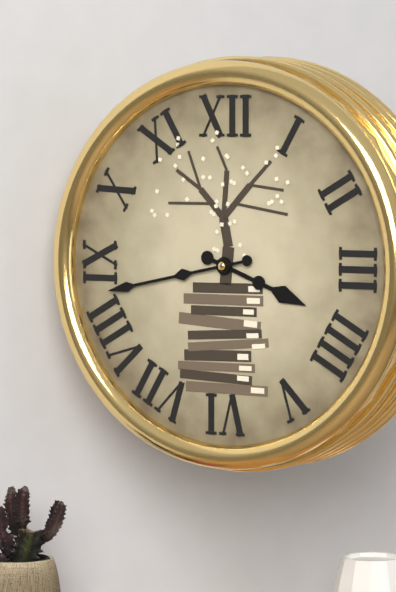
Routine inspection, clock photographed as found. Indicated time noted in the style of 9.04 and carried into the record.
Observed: 3.43
